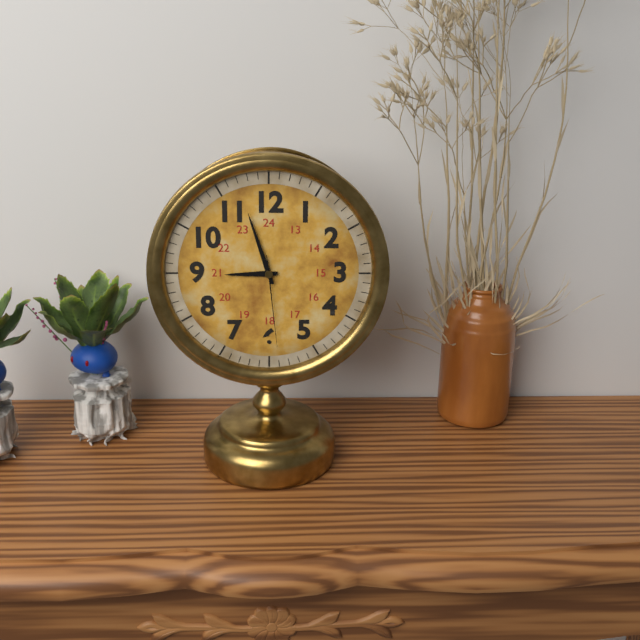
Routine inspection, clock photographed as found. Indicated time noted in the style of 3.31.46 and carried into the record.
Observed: 8.57.29
